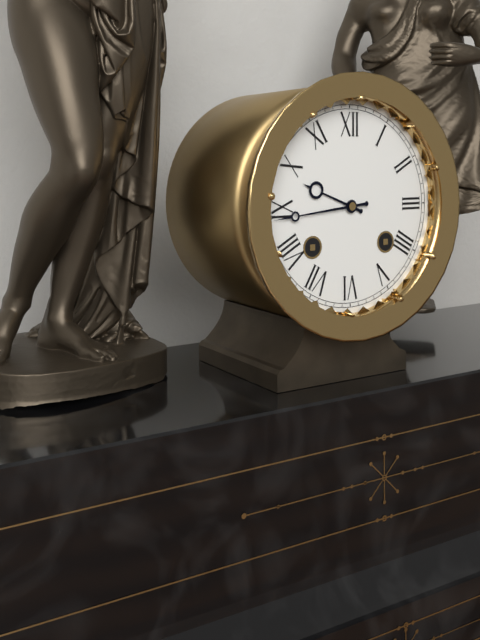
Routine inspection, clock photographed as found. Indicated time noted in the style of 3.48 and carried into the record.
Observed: 9.44
